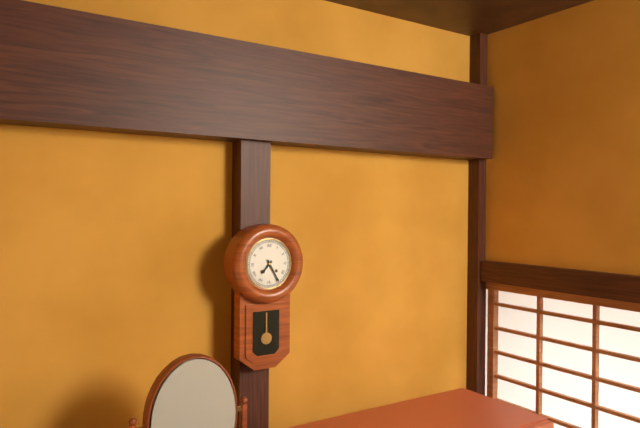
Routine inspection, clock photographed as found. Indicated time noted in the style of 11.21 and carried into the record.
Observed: 7.25
